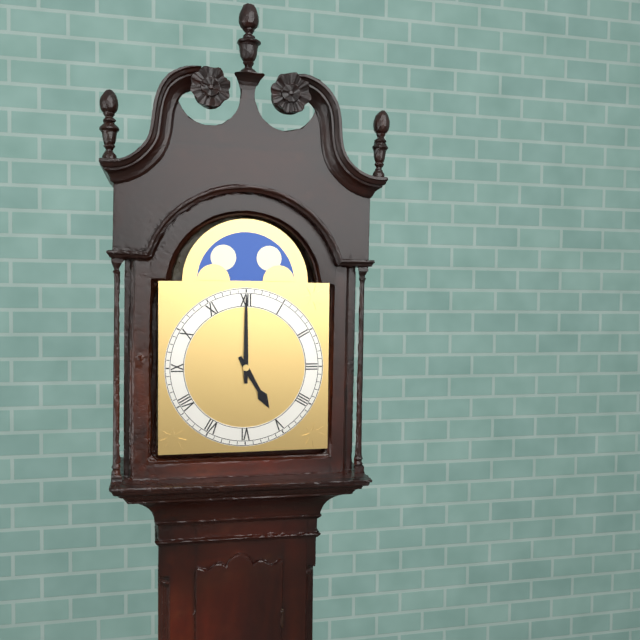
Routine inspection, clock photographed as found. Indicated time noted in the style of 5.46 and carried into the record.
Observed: 5.00
